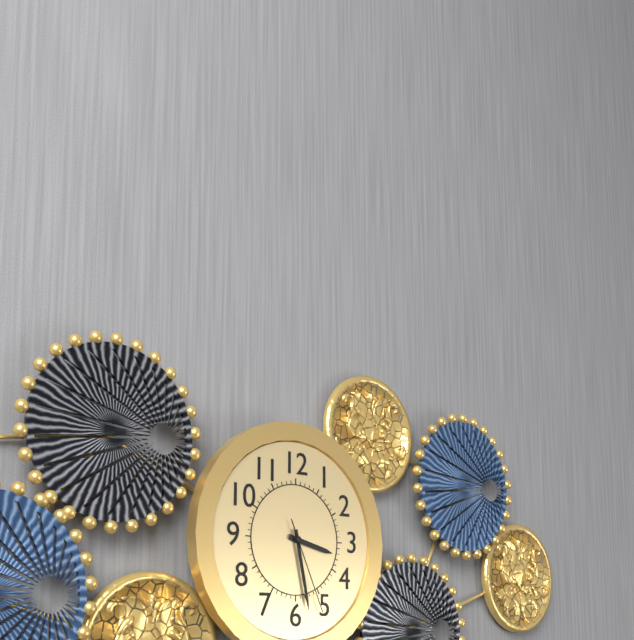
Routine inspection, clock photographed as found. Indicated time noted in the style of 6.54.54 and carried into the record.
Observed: 3.28.26
